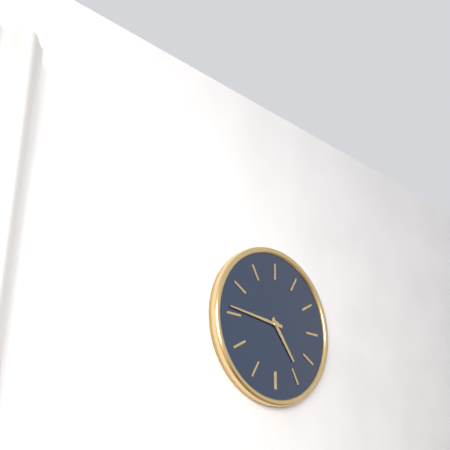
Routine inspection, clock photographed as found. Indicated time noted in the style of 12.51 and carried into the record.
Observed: 4.46
